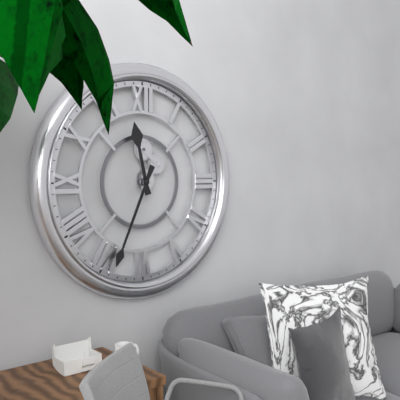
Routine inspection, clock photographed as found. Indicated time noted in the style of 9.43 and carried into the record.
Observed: 11.34
